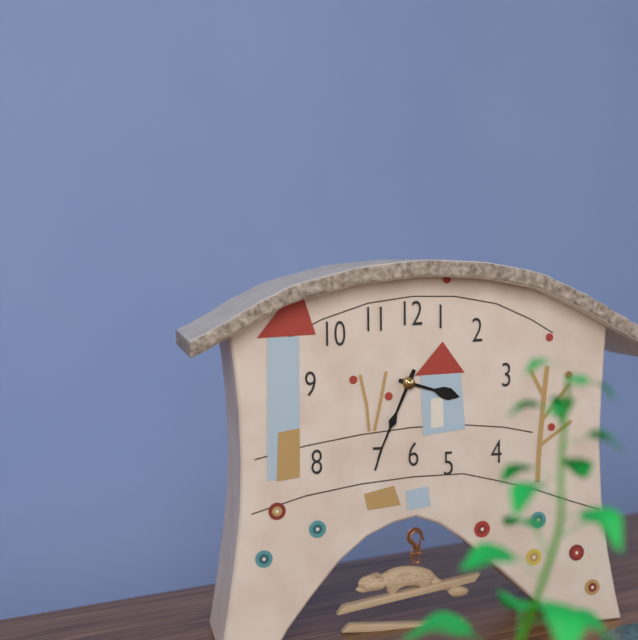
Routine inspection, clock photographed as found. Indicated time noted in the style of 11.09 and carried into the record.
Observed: 3.34
